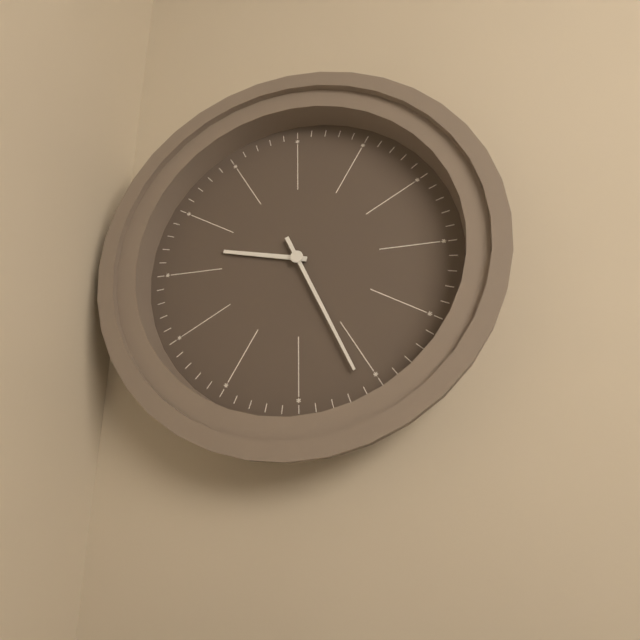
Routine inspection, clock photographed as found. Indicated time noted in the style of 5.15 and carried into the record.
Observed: 9.26
